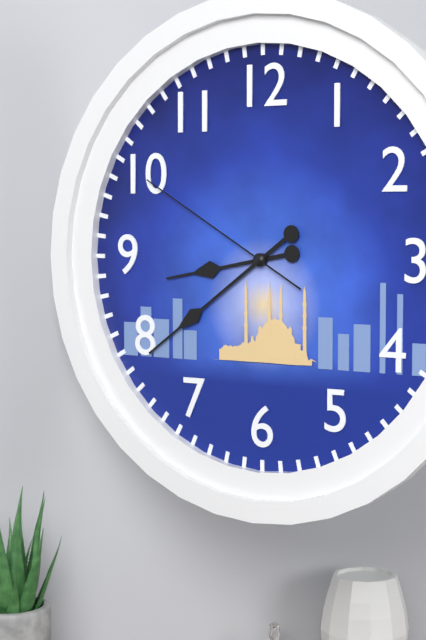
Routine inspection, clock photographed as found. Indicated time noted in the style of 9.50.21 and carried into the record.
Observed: 8.39.50
